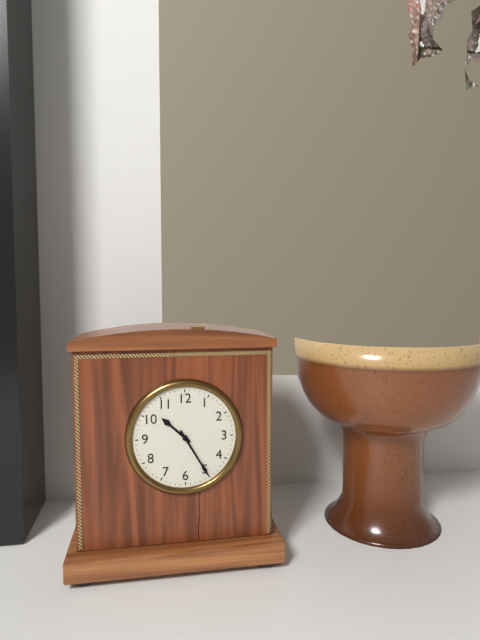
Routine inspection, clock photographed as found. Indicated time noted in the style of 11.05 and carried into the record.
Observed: 10.25
